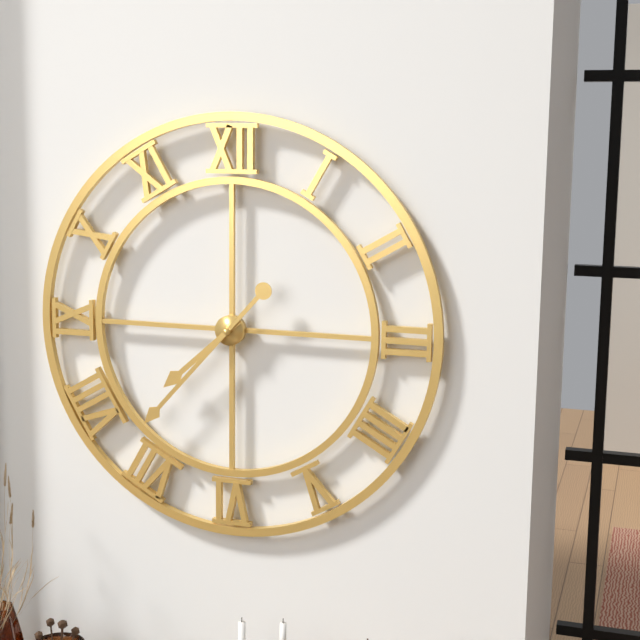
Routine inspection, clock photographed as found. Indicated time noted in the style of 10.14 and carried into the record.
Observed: 7.37
